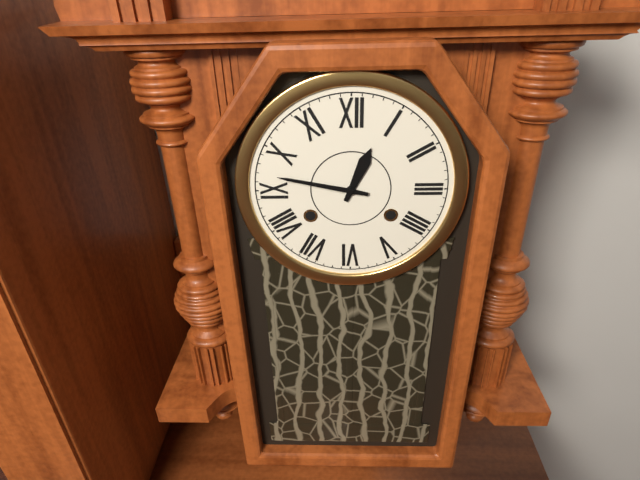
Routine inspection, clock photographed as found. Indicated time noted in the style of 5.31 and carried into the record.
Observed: 12.47
